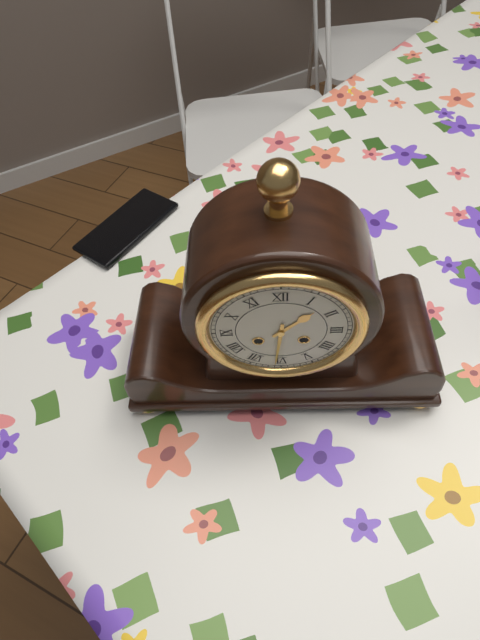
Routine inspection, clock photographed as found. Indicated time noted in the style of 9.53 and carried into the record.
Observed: 1.31
